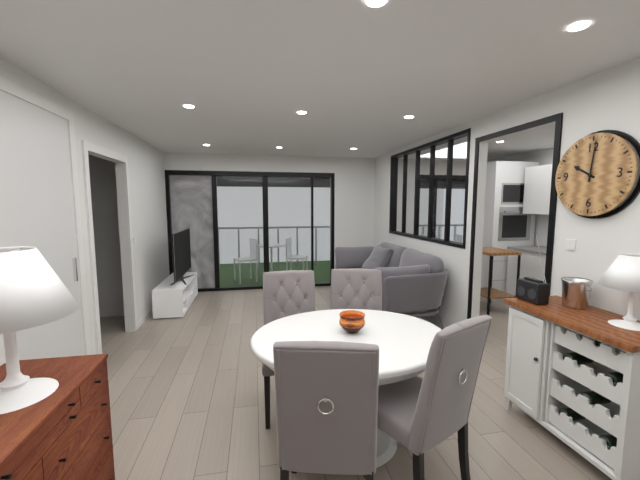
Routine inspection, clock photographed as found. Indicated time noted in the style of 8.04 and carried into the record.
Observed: 10.01
